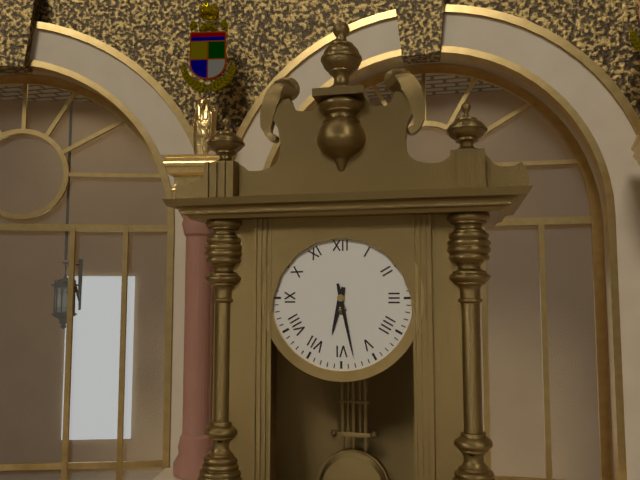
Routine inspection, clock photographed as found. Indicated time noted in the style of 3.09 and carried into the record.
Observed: 6.28
